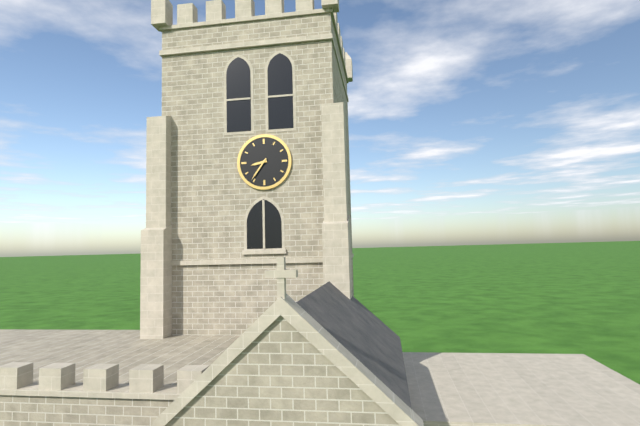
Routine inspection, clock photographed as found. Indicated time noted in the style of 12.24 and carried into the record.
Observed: 8.36
